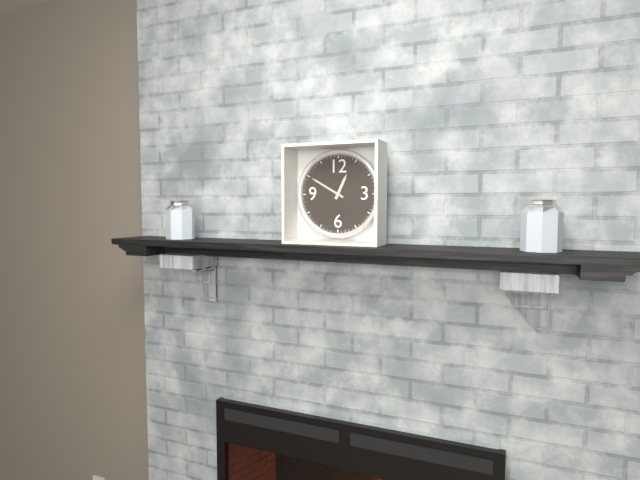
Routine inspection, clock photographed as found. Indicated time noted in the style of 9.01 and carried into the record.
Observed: 12.50
